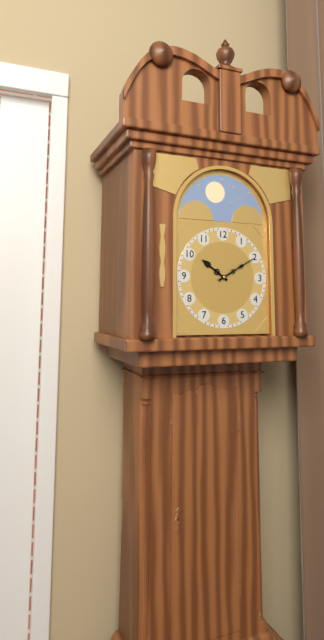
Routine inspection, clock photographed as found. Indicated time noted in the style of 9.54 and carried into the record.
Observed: 10.10
